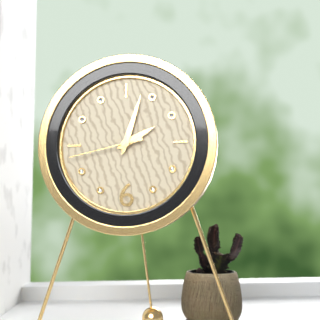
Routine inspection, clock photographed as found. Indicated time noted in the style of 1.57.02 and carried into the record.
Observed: 2.03.43
